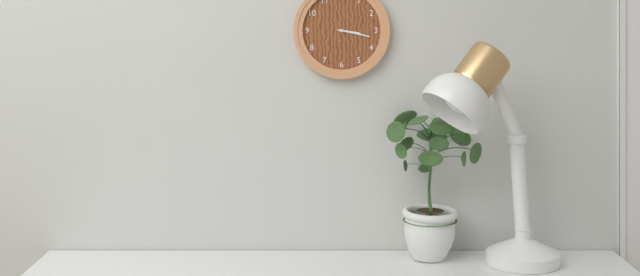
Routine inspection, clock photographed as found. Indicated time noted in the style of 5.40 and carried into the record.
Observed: 3.17
